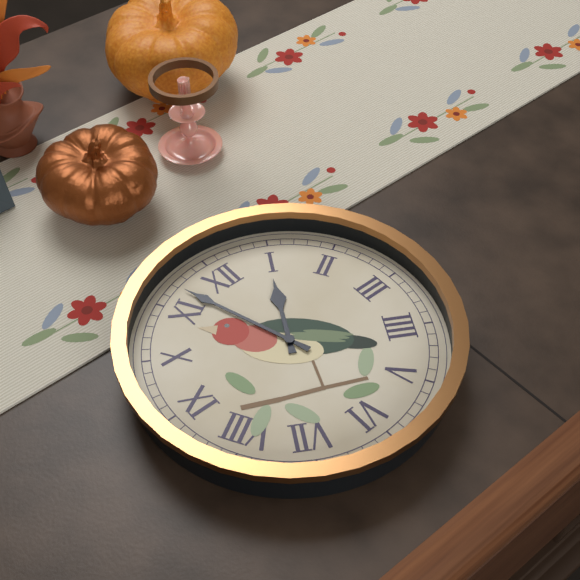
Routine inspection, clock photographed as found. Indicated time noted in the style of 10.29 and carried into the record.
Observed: 12.57
